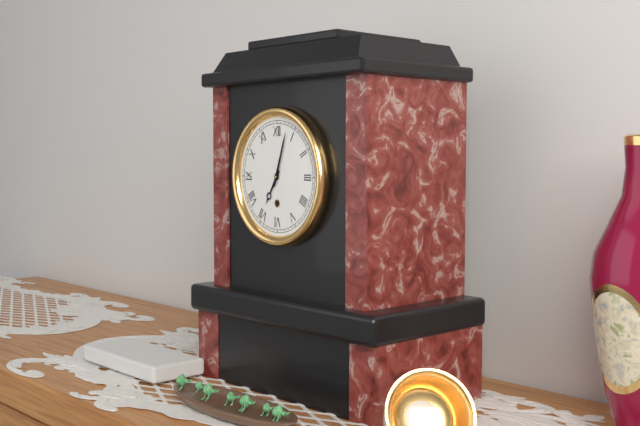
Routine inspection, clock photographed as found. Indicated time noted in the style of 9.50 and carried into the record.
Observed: 7.03
